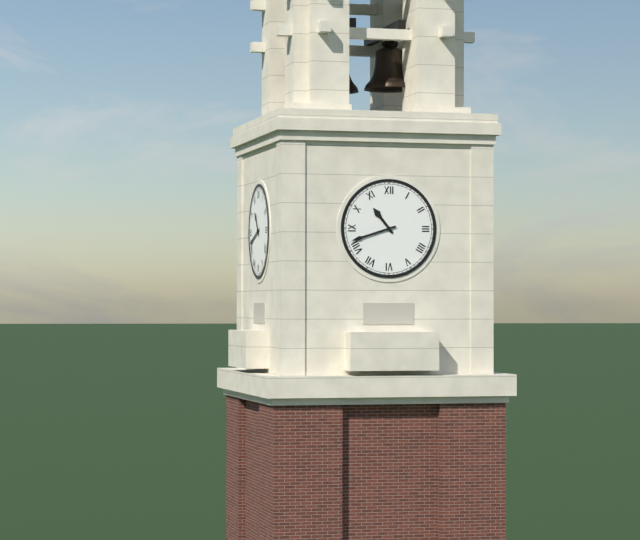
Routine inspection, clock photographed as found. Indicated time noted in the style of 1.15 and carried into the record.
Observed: 10.42
